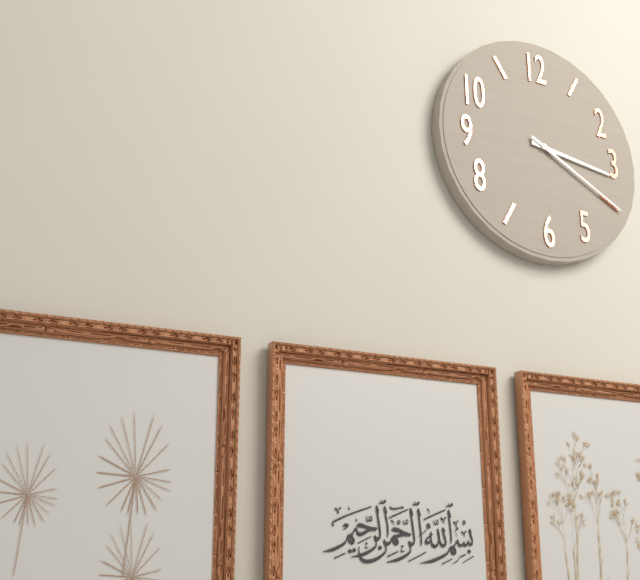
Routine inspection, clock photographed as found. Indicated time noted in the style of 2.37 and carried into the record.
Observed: 3.20
